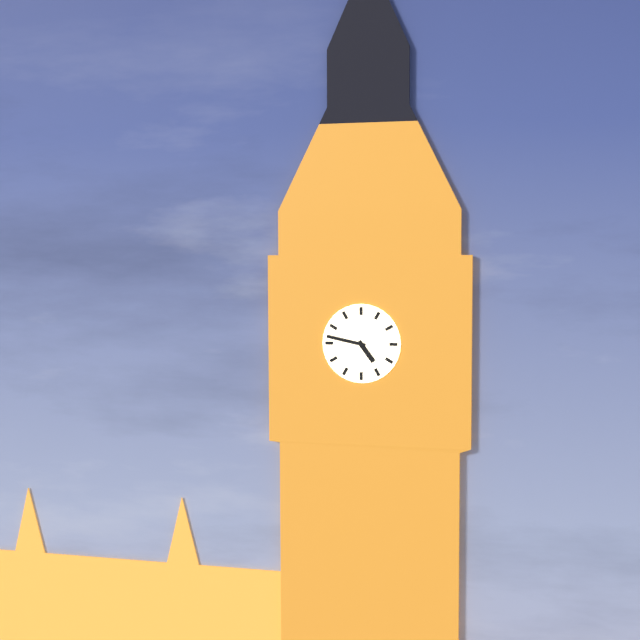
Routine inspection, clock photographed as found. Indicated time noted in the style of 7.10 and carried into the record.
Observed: 4.47
